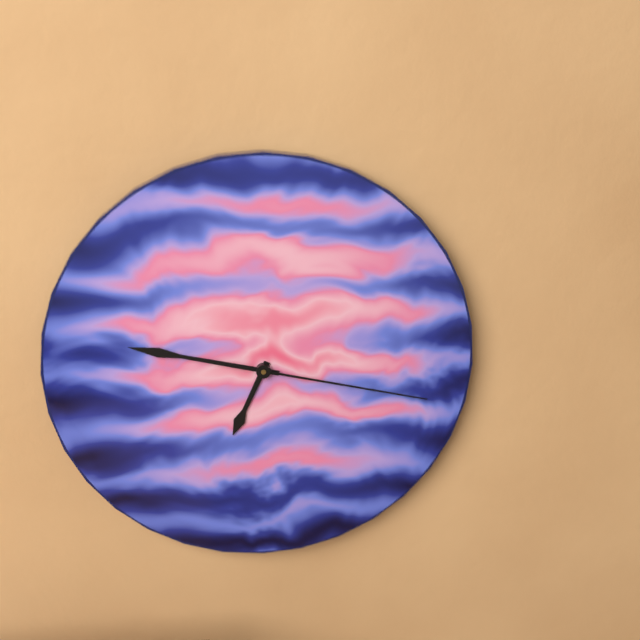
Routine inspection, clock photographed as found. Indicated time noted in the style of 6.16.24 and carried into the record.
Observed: 6.47.17
